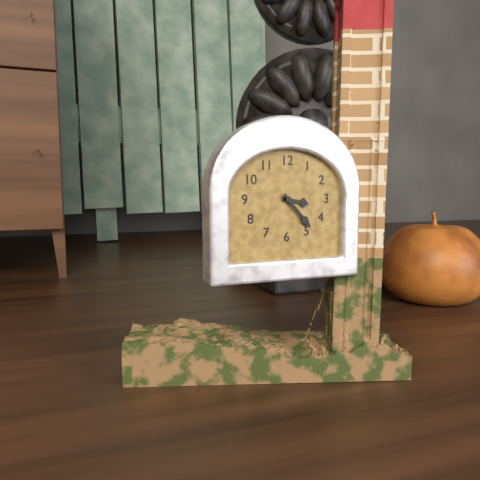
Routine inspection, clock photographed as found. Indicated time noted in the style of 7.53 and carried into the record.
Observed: 3.23
